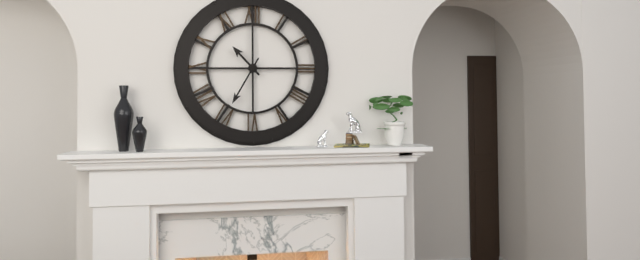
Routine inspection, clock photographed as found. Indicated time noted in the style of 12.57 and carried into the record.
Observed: 10.35
